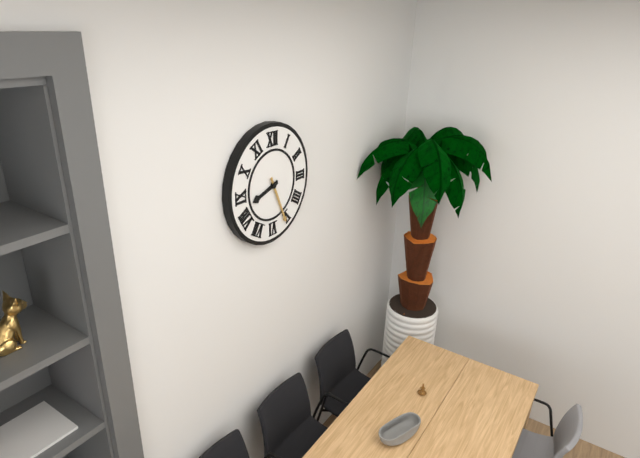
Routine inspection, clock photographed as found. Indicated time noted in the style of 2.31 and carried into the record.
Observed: 8.26
